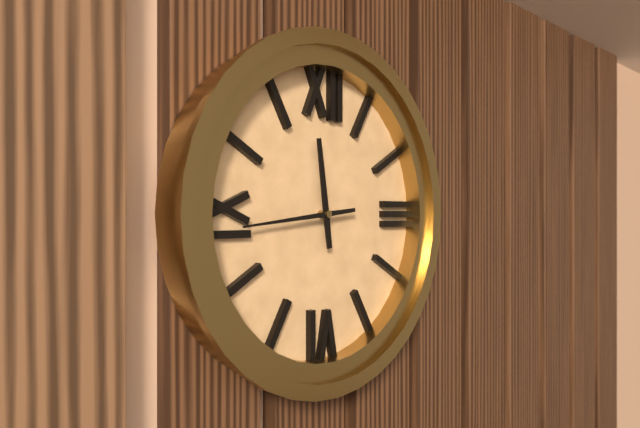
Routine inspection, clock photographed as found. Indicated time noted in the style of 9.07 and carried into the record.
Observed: 11.44
